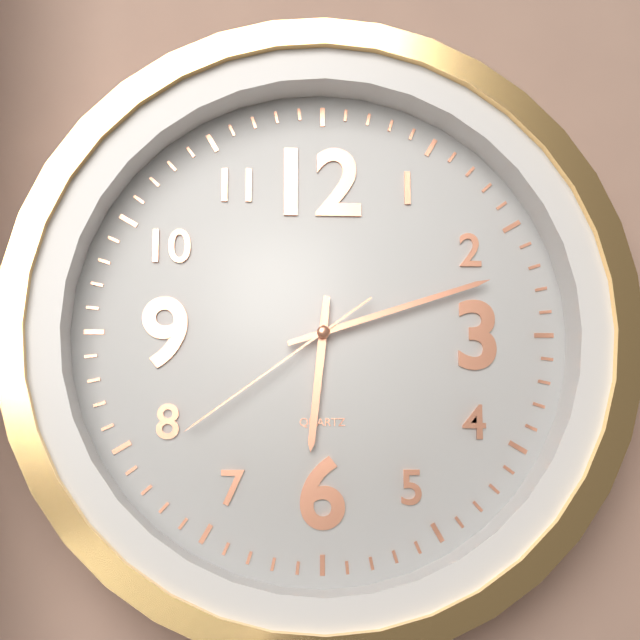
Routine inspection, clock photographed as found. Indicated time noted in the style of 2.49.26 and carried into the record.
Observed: 6.12.39
